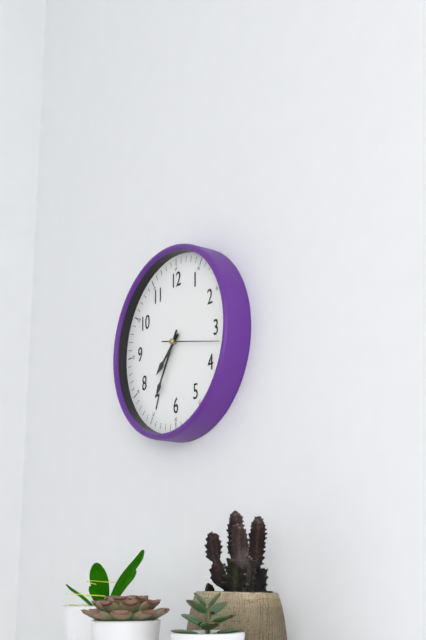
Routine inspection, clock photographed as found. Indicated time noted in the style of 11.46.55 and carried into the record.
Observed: 7.35.17
